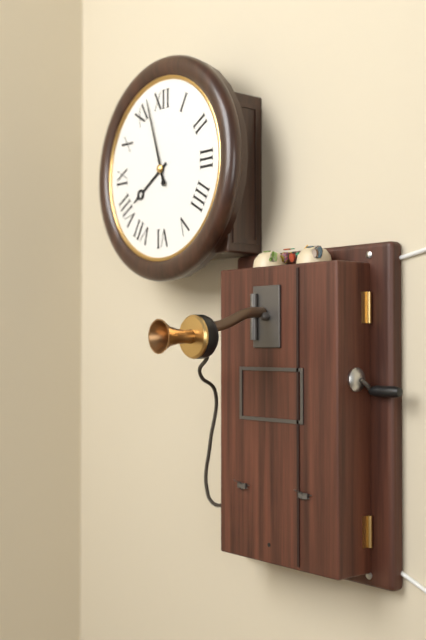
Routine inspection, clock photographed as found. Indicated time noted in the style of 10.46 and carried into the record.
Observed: 7.57
